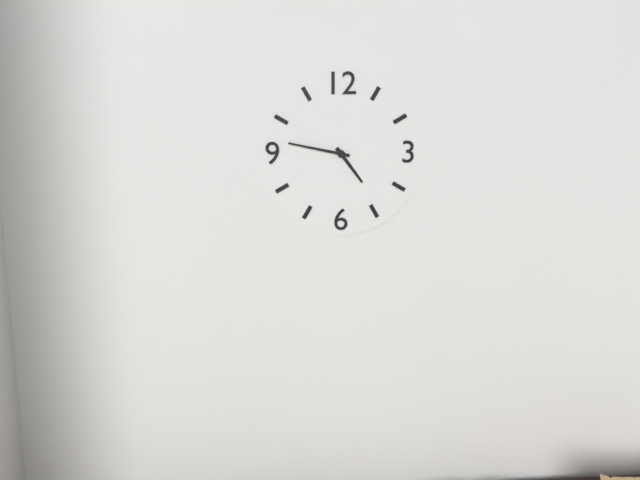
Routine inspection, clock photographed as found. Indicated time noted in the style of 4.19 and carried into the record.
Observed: 4.47
